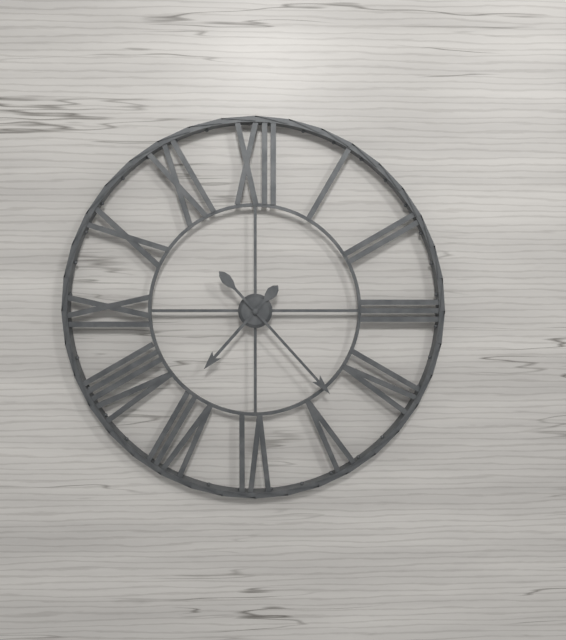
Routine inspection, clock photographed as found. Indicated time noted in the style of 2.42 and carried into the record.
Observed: 7.23
